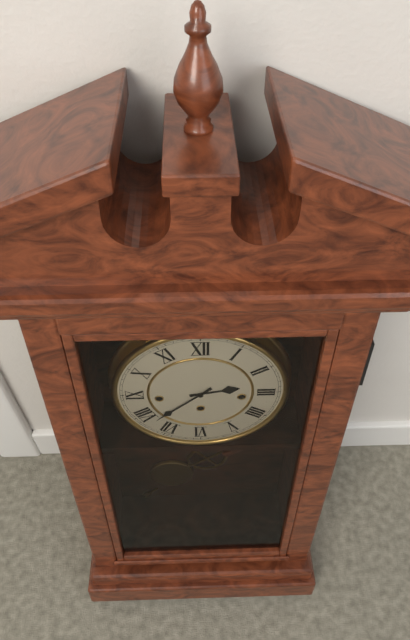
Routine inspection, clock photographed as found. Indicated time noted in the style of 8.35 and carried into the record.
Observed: 2.38
